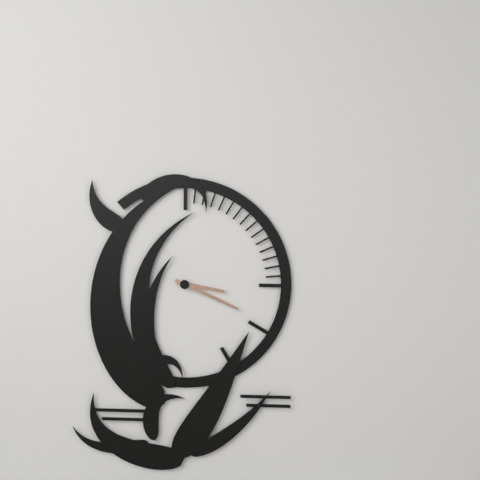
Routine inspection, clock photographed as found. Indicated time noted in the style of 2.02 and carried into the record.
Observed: 3.19
